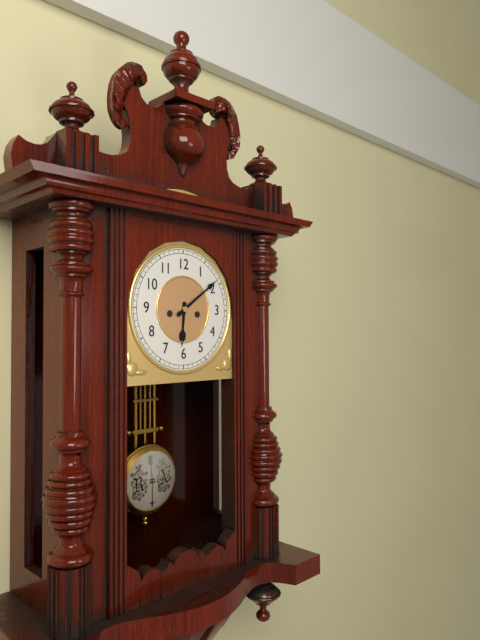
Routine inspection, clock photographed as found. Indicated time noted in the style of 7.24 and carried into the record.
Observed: 6.09
